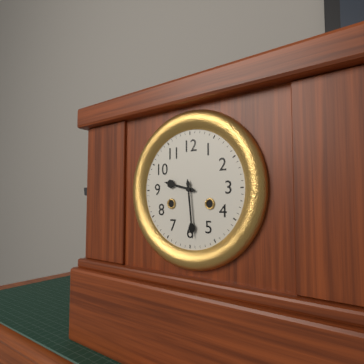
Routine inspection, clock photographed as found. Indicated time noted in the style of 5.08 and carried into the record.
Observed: 9.29
